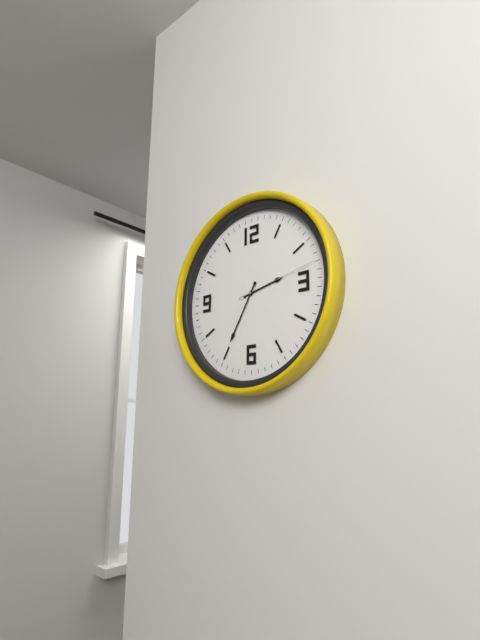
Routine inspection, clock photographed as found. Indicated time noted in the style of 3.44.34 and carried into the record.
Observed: 2.35.13
